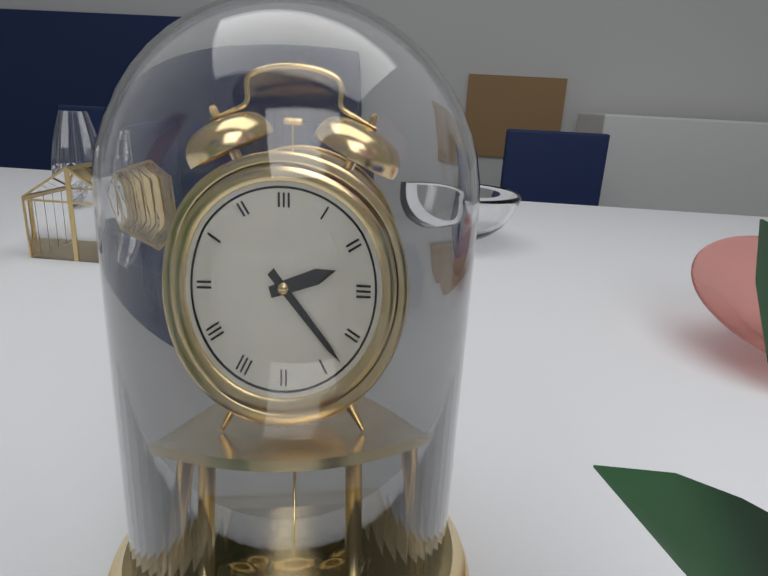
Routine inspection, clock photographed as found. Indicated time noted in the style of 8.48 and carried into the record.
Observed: 2.23
